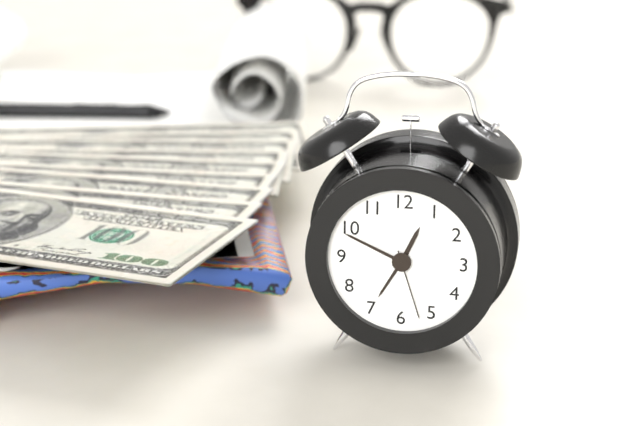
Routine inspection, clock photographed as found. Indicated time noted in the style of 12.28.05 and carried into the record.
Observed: 12.49.27
